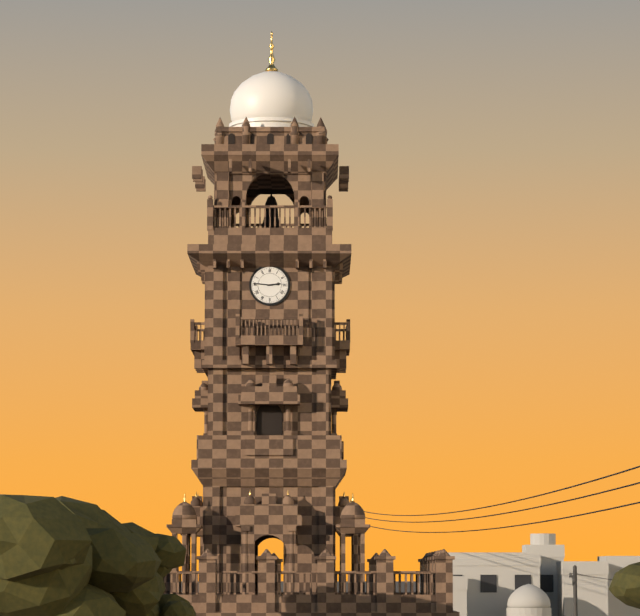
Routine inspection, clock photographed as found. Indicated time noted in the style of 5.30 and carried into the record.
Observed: 2.46
